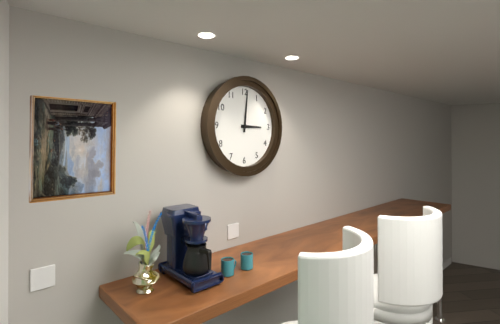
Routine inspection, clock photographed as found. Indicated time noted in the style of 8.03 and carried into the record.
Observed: 3.01
